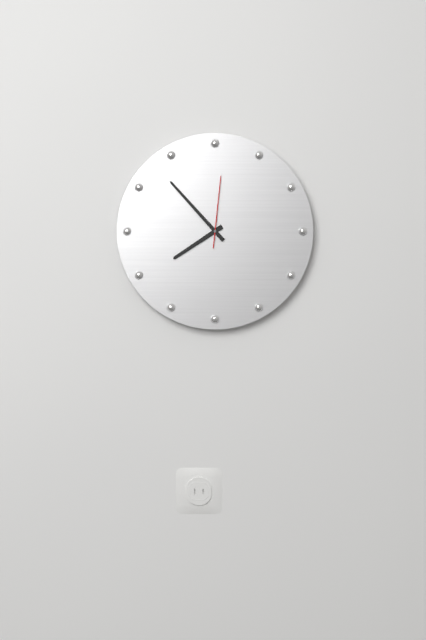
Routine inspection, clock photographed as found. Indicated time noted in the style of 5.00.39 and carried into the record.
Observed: 7.53.01
